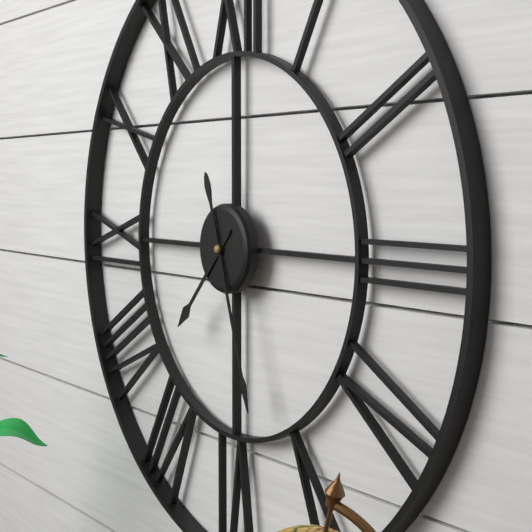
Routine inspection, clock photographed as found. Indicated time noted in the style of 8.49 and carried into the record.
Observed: 7.27
